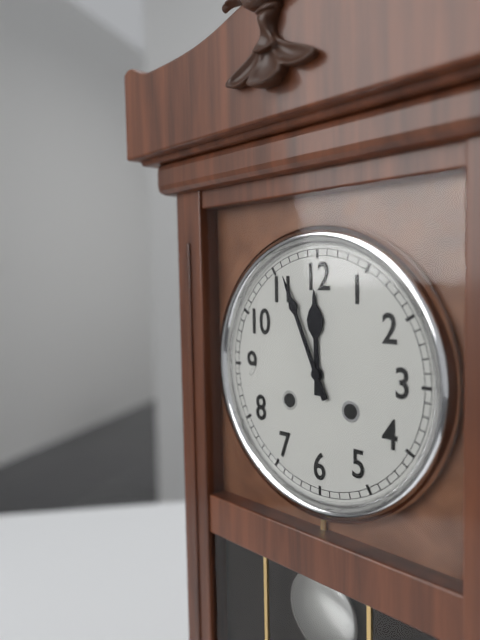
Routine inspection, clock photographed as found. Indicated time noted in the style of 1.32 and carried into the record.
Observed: 11.56
